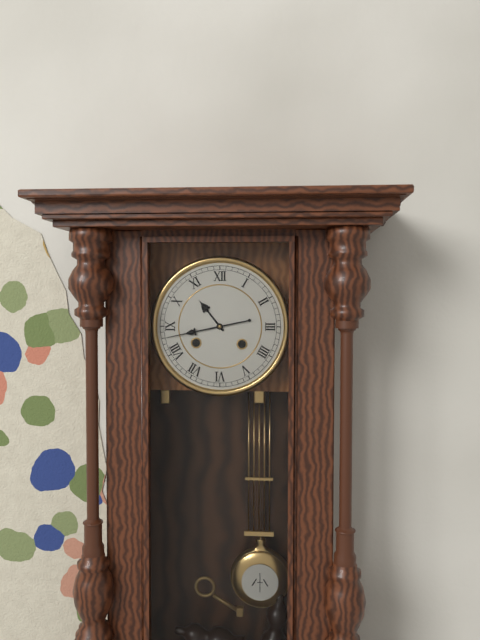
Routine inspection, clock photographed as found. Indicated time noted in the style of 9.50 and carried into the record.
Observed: 10.43
